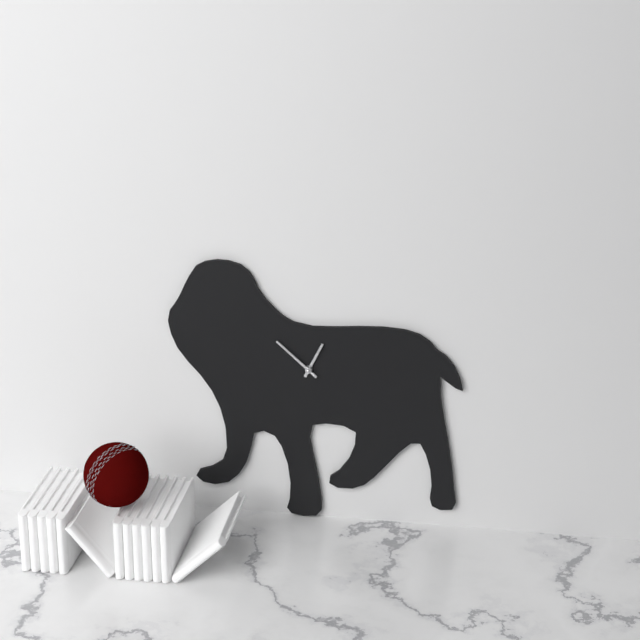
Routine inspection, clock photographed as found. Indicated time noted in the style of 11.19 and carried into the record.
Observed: 12.52
